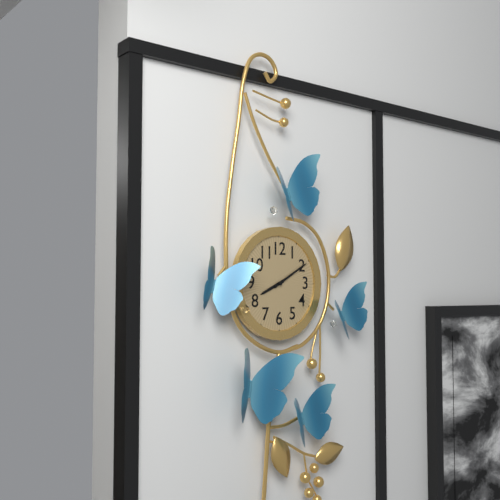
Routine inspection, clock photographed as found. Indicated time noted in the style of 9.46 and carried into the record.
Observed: 8.10
